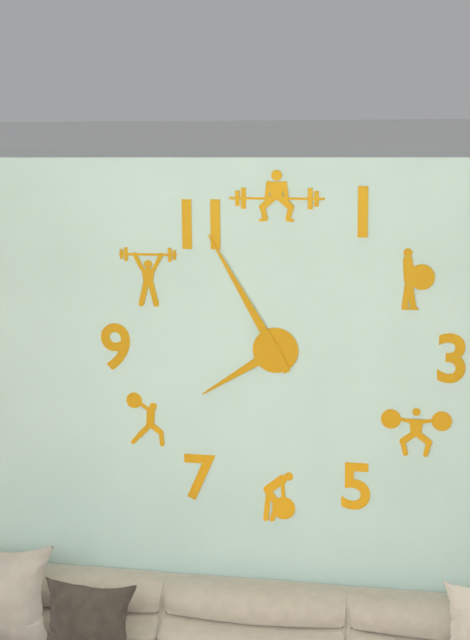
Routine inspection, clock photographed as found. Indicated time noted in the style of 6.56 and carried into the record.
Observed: 7.55
